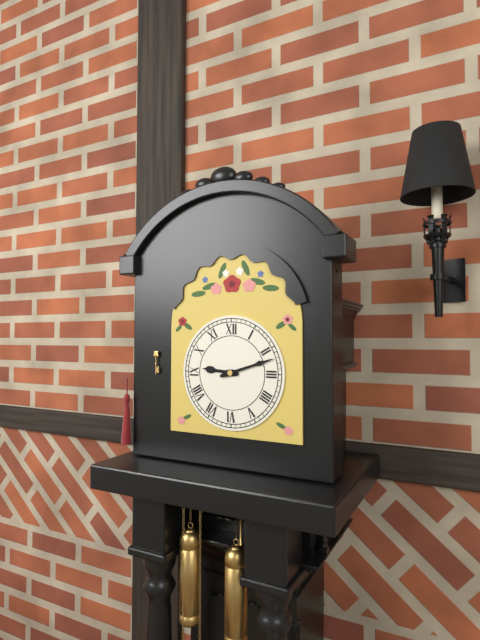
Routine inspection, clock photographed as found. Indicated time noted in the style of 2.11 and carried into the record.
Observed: 9.12
